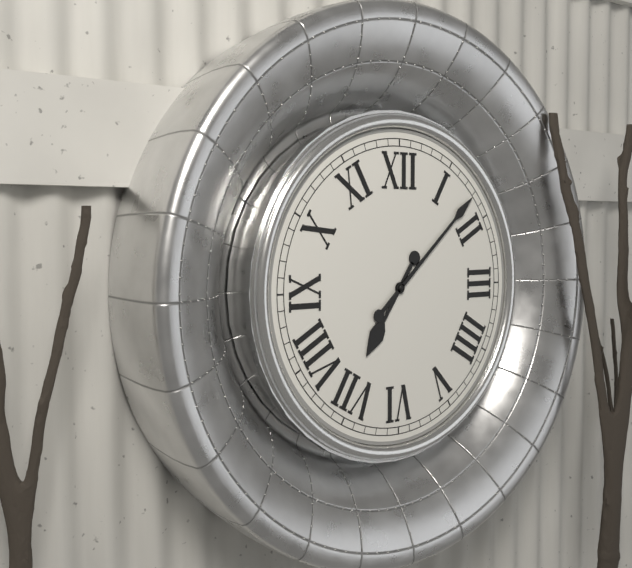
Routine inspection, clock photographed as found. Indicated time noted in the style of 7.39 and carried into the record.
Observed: 7.08
